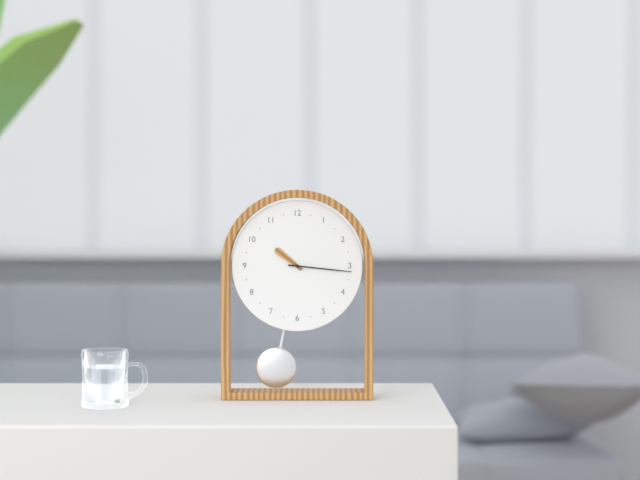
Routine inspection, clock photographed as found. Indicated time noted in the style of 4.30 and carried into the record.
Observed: 10.16
